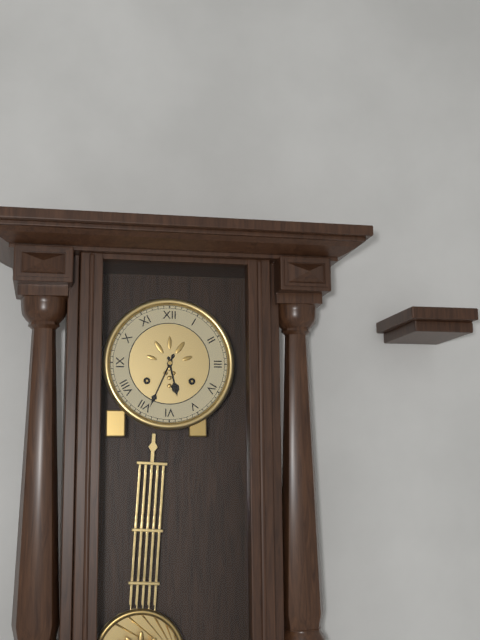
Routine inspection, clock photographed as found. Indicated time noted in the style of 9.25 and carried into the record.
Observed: 5.34
